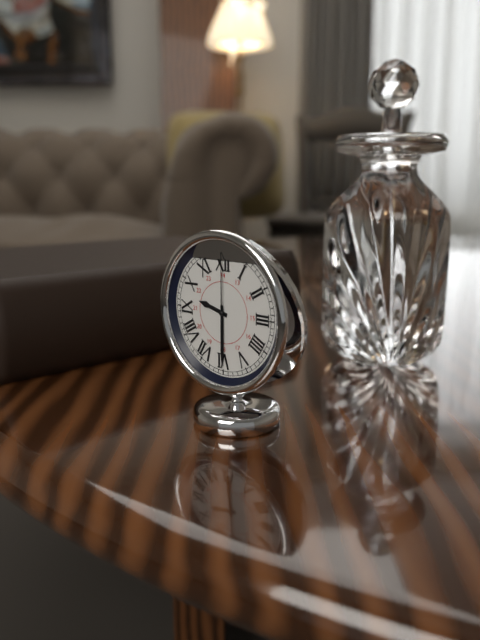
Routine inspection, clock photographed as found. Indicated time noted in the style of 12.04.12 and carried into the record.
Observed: 9.30.00
